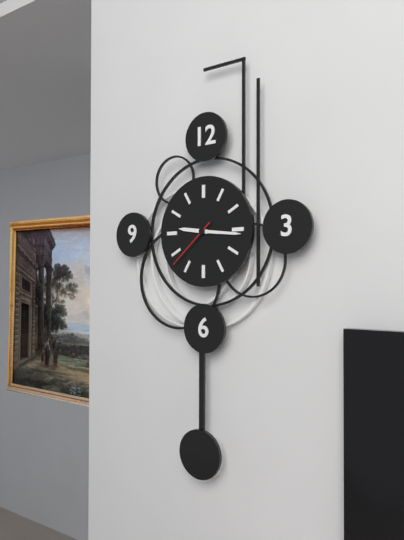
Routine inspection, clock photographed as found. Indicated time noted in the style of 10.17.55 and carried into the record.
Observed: 9.16.38
